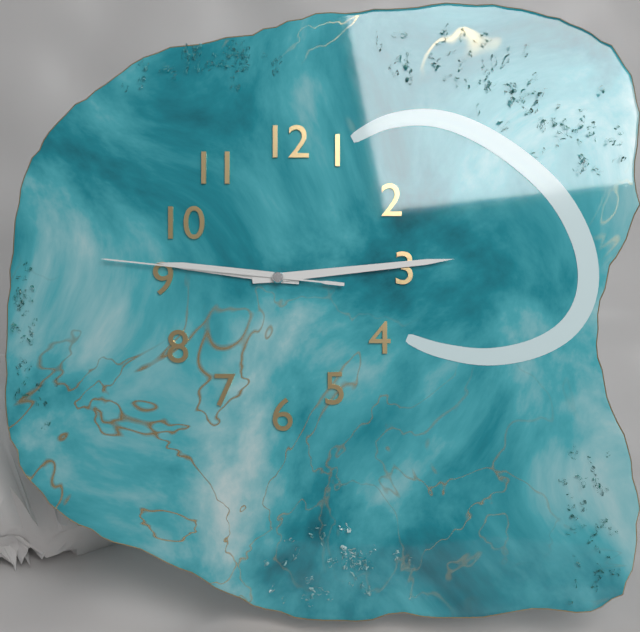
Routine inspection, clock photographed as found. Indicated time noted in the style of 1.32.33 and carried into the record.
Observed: 9.14.46
